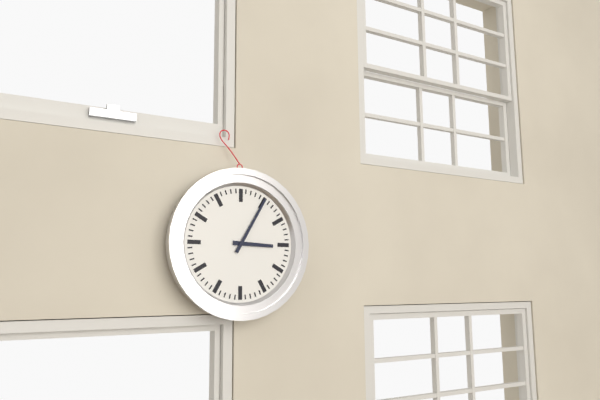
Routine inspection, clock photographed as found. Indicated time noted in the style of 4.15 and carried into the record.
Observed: 3.05
